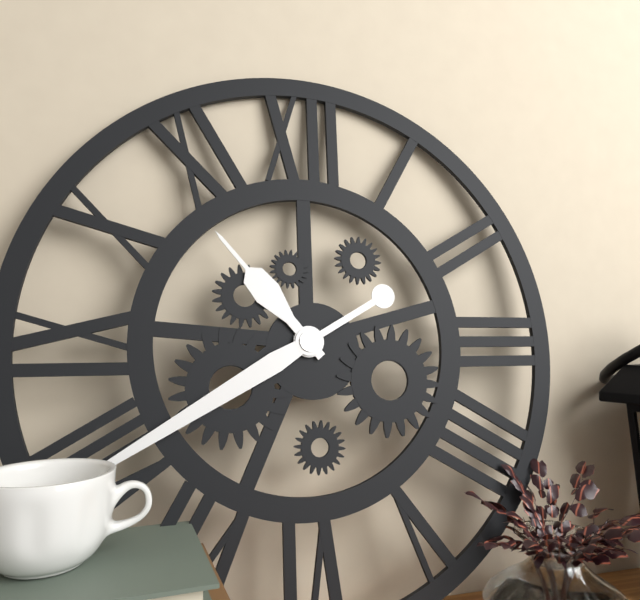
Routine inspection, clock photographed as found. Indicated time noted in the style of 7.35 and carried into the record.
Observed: 10.40
